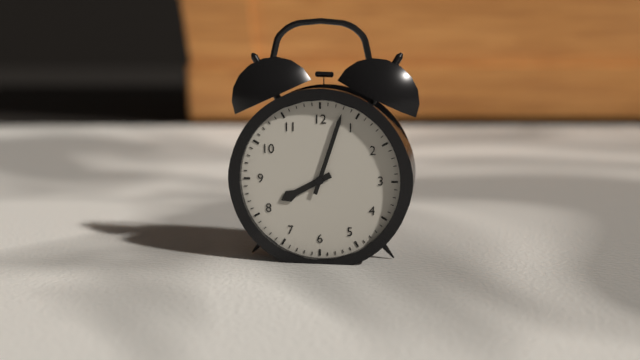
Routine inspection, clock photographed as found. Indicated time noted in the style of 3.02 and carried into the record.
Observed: 8.03
